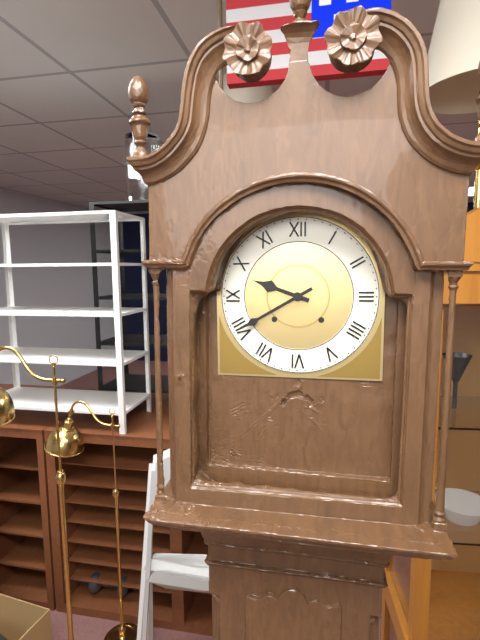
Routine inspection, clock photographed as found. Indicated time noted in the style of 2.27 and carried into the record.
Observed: 9.40
